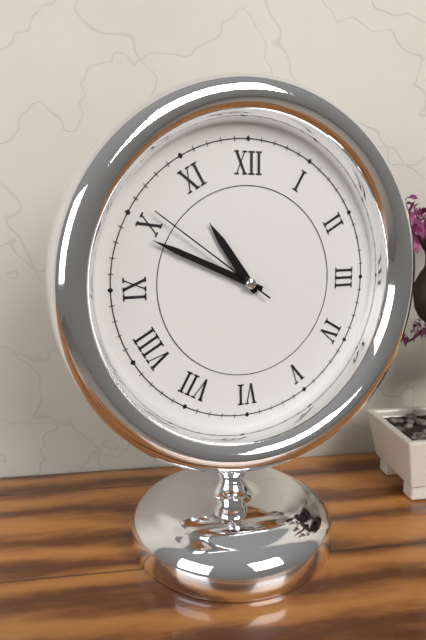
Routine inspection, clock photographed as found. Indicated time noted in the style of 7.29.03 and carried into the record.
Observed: 10.49.51
